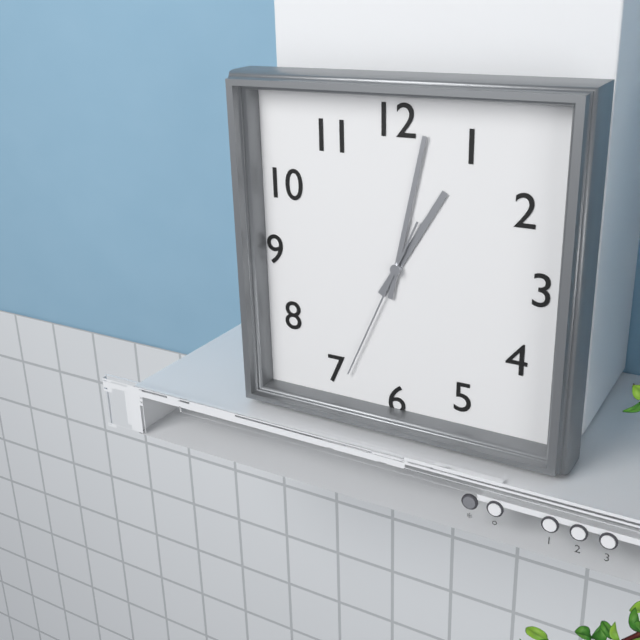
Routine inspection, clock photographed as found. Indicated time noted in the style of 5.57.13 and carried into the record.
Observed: 1.02.34
